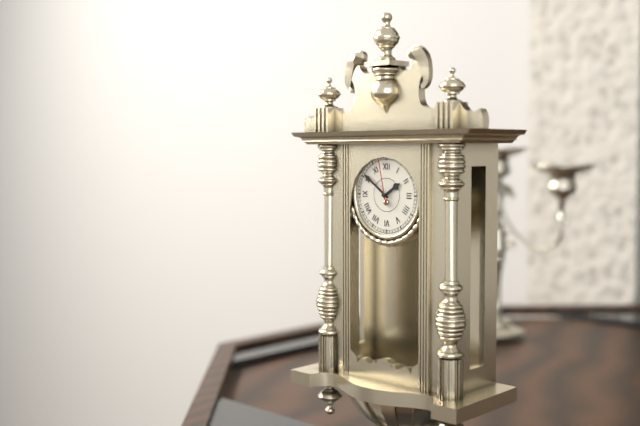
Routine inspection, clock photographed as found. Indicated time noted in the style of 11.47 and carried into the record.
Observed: 1.51
